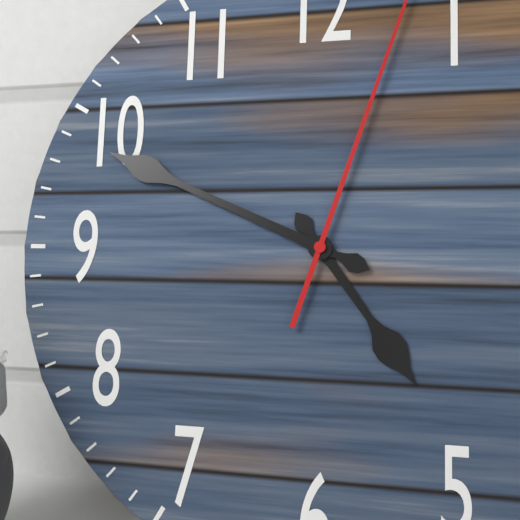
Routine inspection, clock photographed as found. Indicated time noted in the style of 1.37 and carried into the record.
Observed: 4.49
